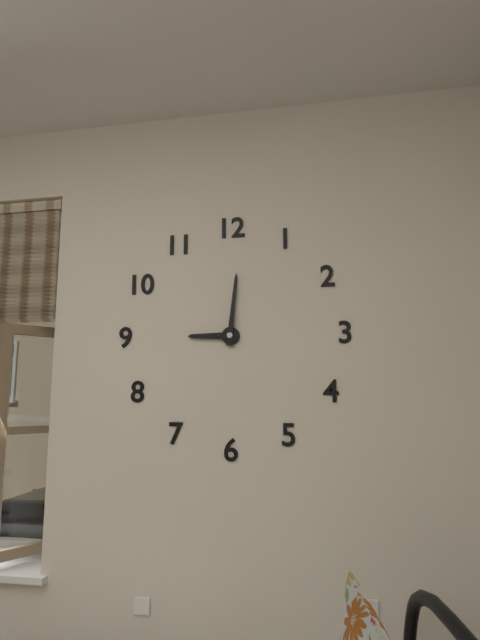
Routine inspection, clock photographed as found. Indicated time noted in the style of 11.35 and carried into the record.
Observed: 9.01
